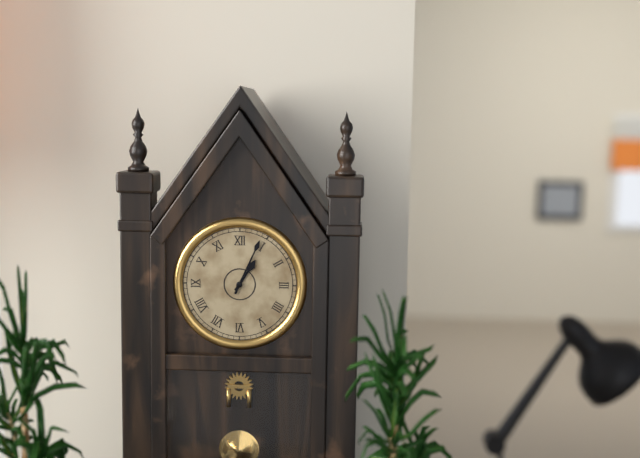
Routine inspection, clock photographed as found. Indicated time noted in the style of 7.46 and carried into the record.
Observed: 1.04
